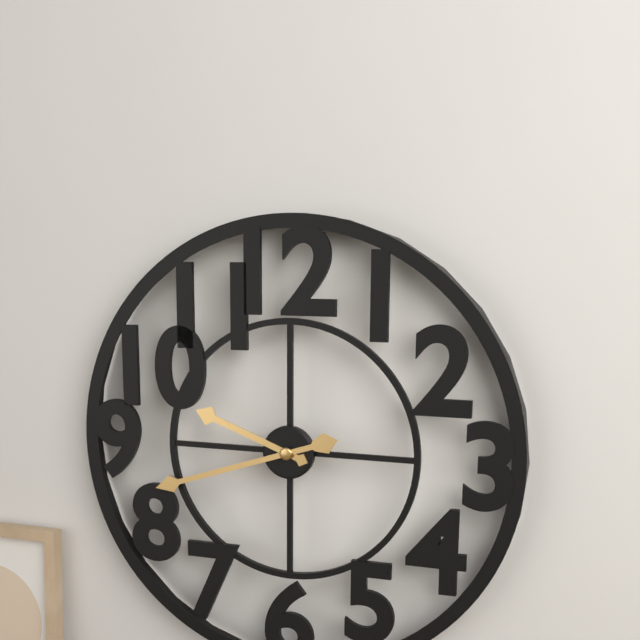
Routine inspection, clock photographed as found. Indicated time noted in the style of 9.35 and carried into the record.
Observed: 9.42
